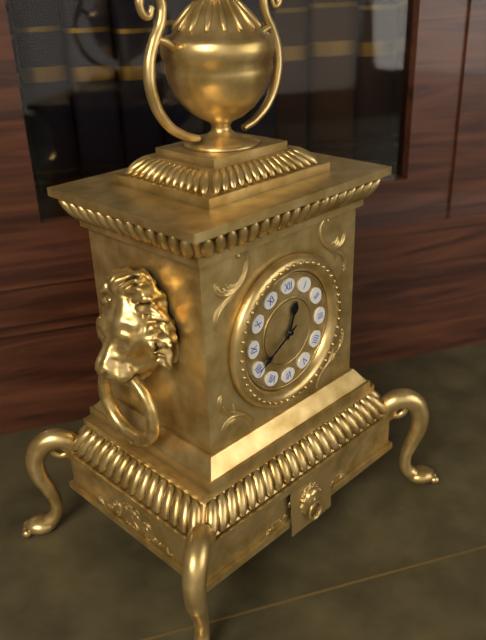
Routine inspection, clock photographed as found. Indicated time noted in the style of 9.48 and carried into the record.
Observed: 12.40
